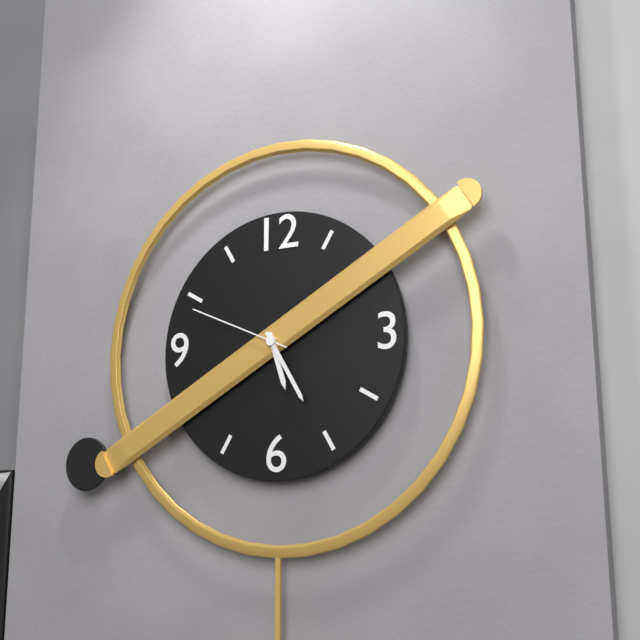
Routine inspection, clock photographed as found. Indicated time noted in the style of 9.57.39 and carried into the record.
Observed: 5.25.49
